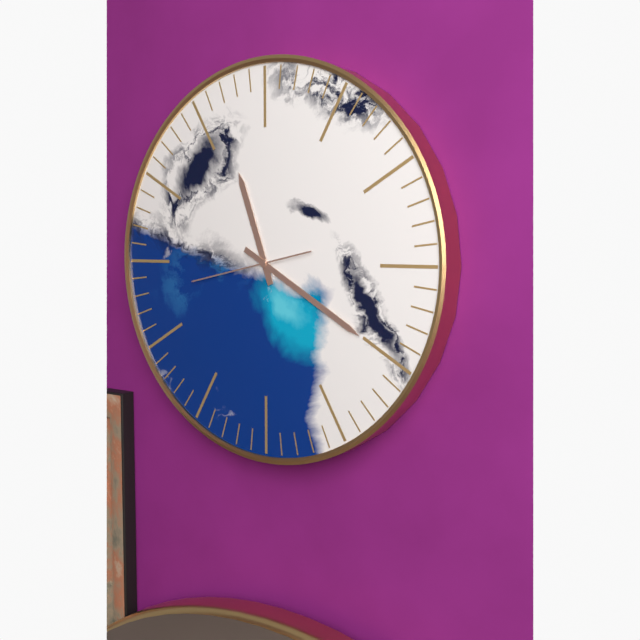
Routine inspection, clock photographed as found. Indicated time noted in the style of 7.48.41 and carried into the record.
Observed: 11.20.43
